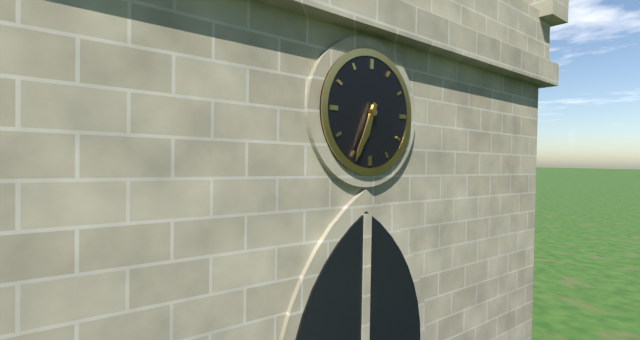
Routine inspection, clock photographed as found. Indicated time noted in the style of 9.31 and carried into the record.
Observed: 6.34
